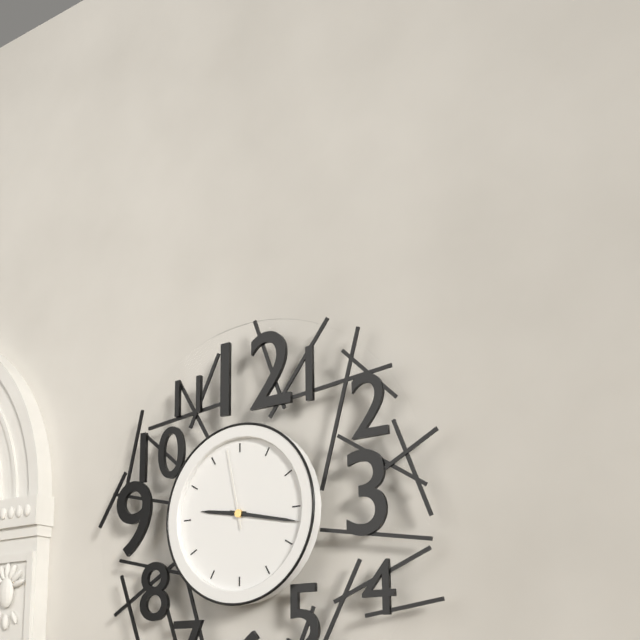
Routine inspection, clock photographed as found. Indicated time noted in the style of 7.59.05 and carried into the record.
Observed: 9.17.58
